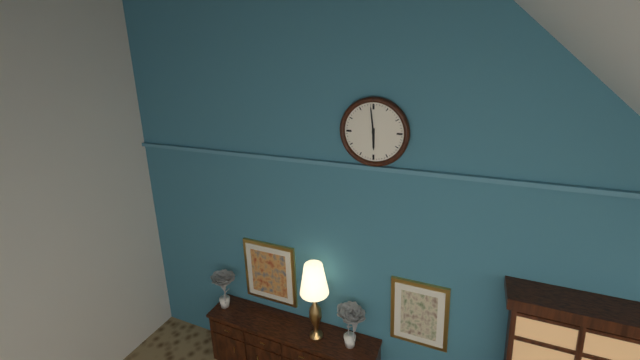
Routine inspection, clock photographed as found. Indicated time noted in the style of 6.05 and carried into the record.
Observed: 5.59
